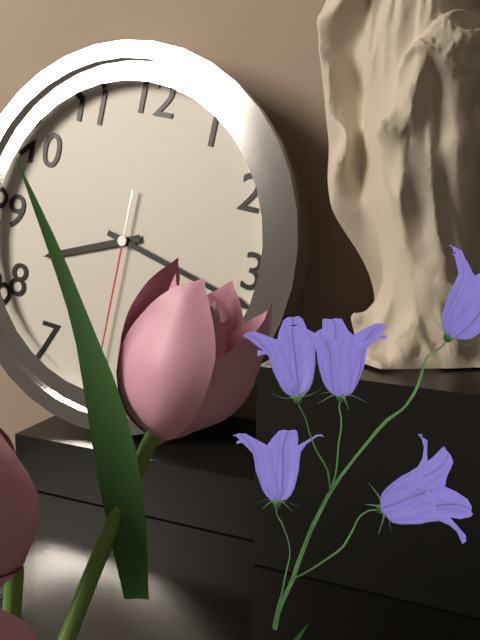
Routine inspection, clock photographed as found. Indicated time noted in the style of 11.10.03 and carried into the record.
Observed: 8.17.30
